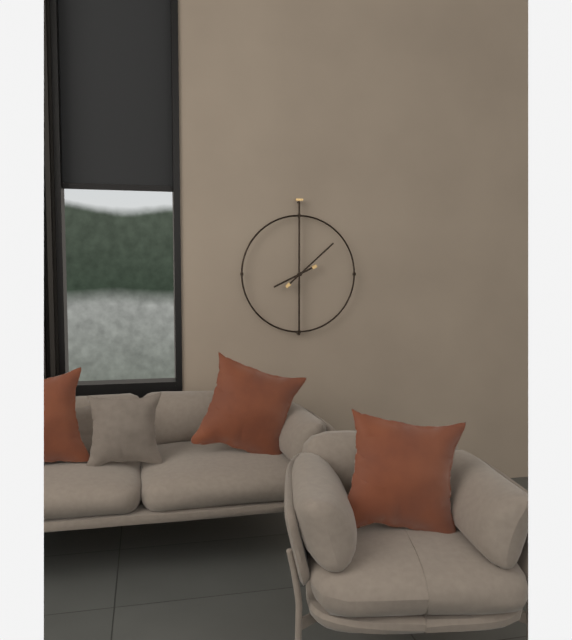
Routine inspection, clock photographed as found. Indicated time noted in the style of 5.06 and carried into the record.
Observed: 8.08
